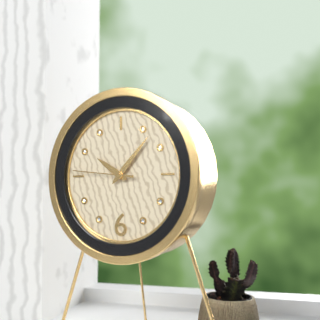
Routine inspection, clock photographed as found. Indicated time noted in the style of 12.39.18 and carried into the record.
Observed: 10.07.46
